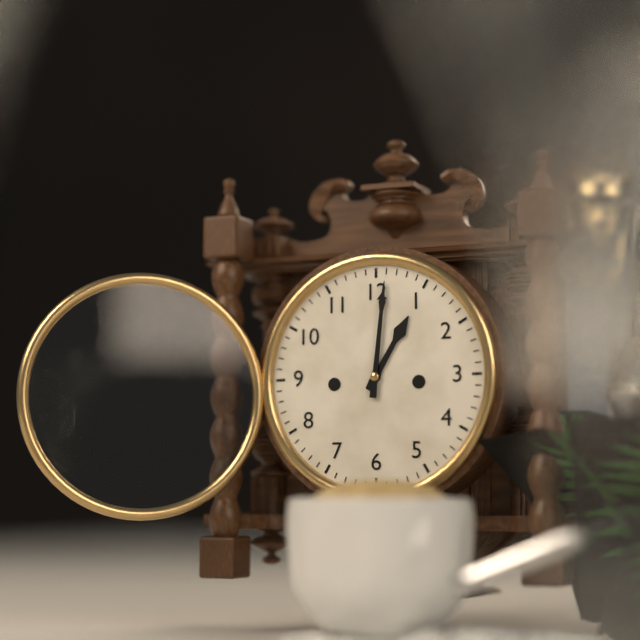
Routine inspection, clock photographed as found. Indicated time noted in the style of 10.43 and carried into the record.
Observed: 1.01
